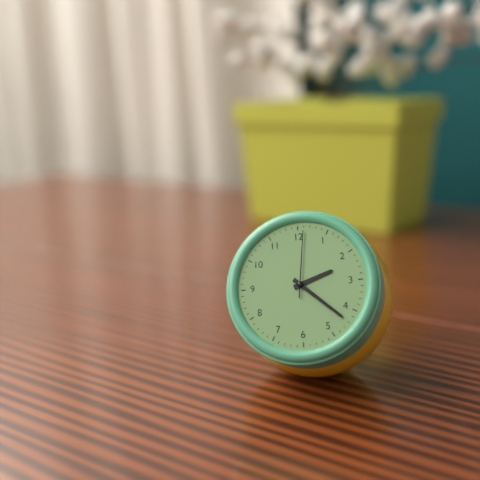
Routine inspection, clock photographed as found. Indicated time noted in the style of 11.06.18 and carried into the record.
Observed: 2.22.01
